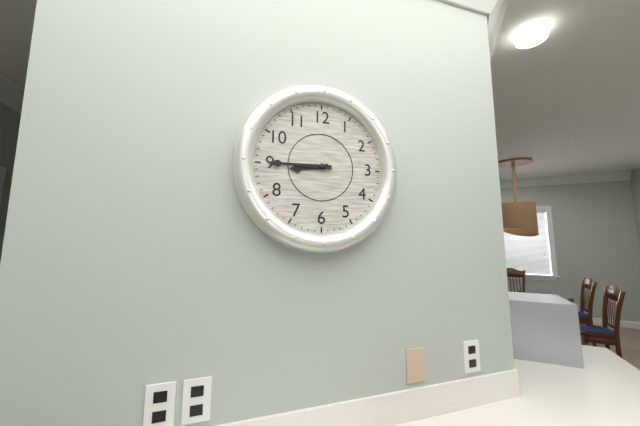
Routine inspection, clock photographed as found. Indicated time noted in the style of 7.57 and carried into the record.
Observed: 8.45
